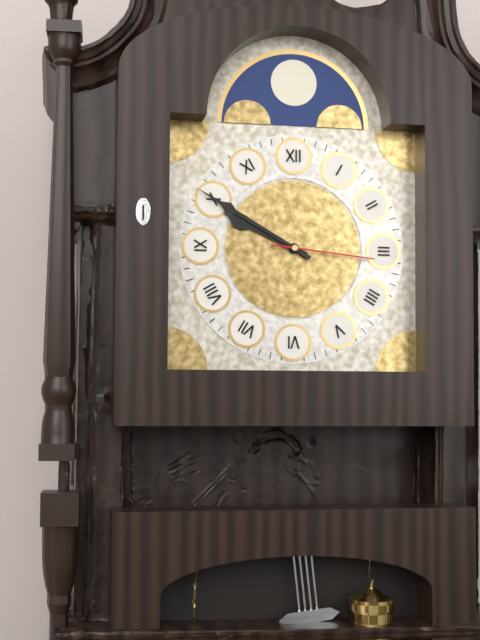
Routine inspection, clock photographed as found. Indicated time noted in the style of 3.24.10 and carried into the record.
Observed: 9.50.16
